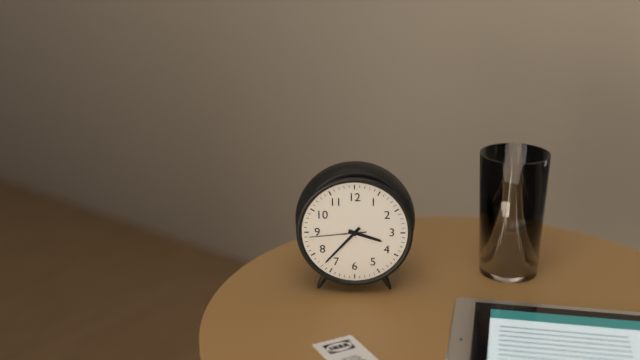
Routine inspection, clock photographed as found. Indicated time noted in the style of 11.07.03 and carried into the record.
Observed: 3.37.44
